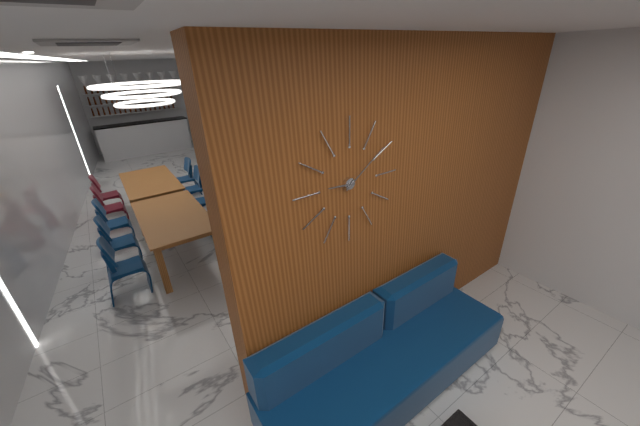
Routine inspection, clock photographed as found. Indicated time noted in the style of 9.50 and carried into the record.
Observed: 9.09
